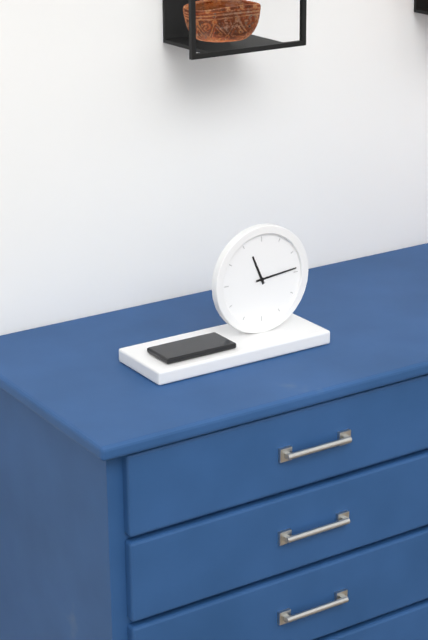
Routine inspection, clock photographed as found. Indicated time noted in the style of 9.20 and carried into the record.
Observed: 11.14
